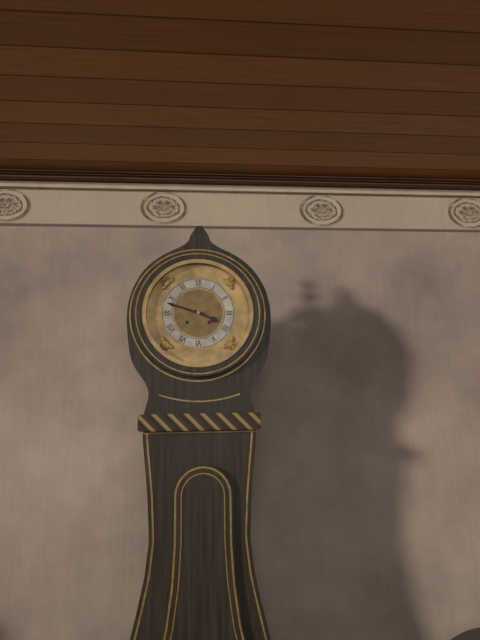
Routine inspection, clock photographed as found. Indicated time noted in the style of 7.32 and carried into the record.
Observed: 3.48
